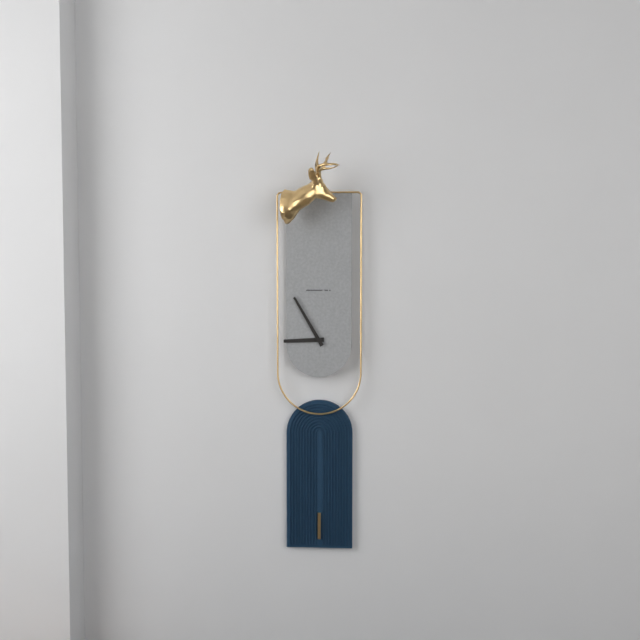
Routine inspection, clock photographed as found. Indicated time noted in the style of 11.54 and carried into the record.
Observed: 8.55
